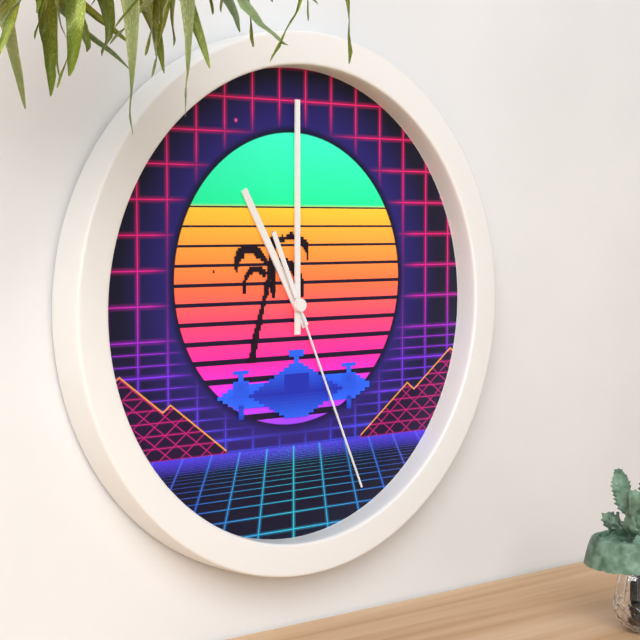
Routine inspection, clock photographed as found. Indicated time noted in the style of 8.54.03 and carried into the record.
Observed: 11.00.26
